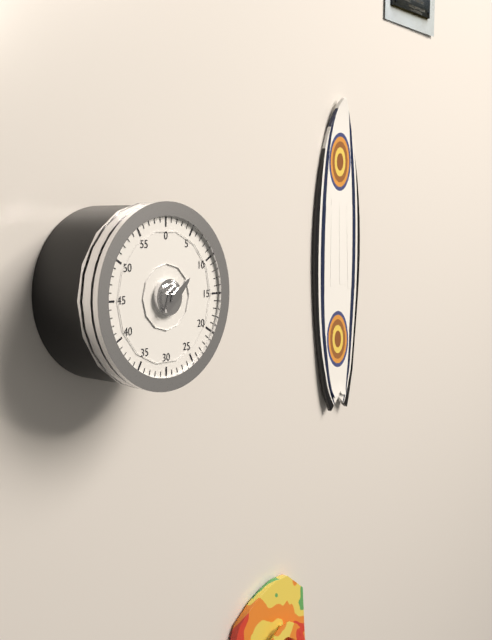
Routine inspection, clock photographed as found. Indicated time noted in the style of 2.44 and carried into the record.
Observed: 7.08
